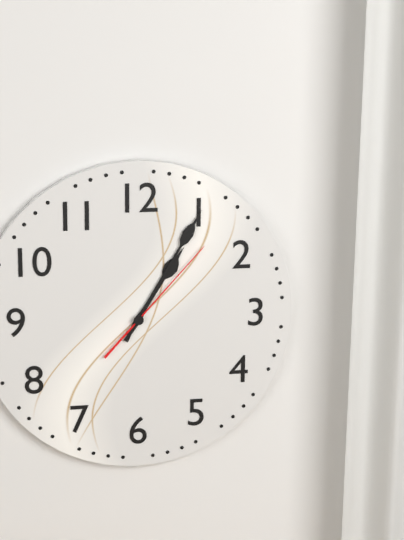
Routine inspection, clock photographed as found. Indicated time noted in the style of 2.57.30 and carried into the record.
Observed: 1.05.07
